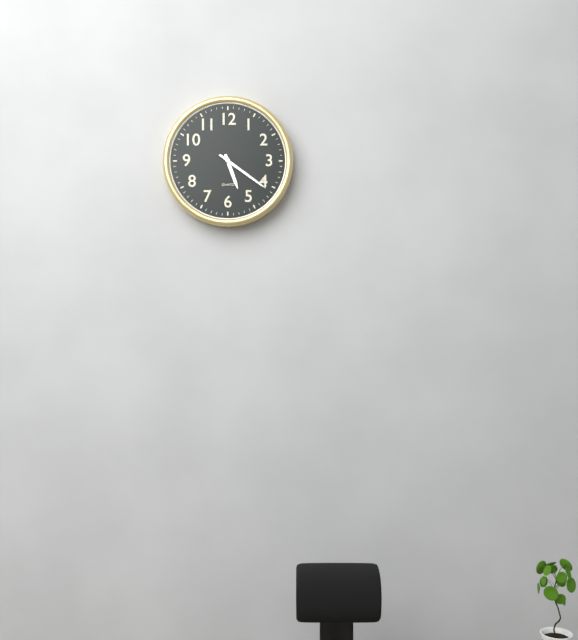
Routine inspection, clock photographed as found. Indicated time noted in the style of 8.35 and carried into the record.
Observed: 5.21
